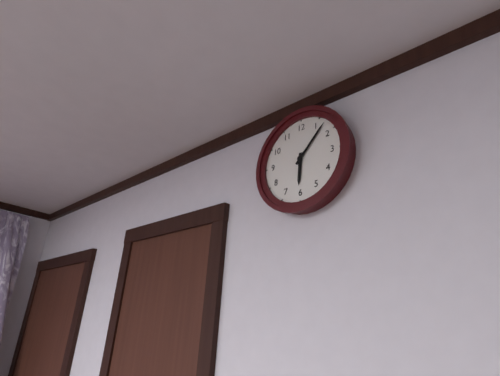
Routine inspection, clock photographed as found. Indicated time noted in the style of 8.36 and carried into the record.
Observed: 6.07
